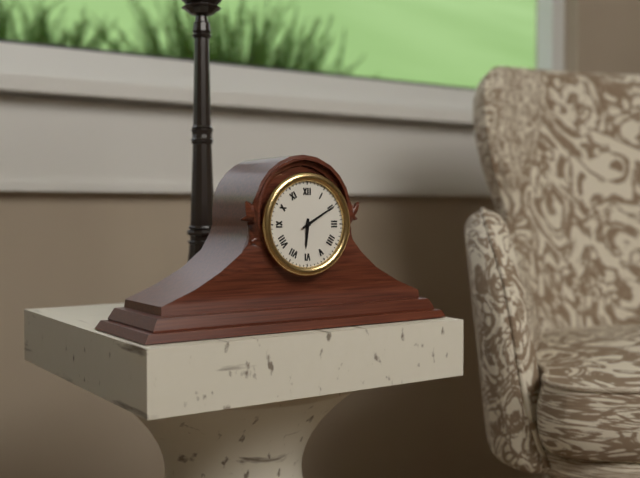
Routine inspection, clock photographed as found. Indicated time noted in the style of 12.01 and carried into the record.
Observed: 6.10
